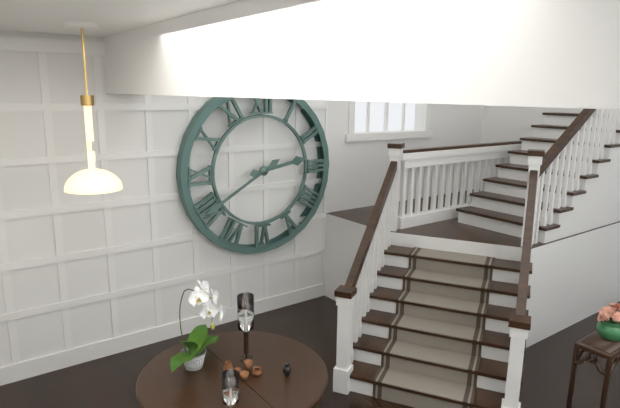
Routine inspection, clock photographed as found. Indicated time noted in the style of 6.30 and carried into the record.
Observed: 2.40
